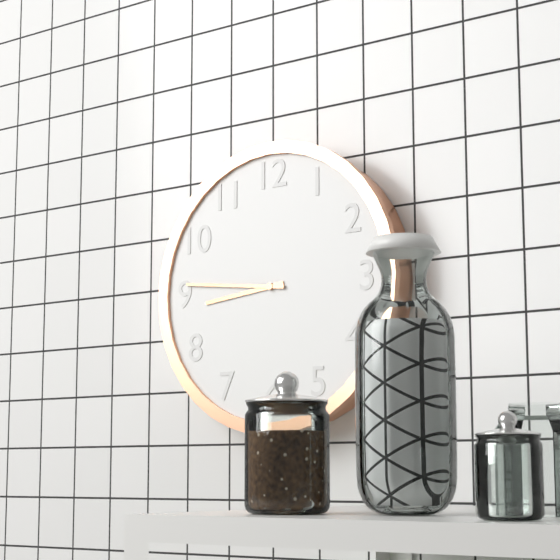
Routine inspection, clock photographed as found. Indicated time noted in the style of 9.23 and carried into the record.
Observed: 8.46
